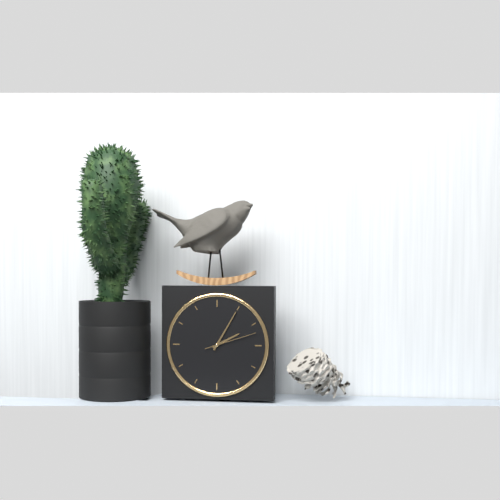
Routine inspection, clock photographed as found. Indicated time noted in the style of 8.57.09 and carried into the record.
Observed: 2.05.12
